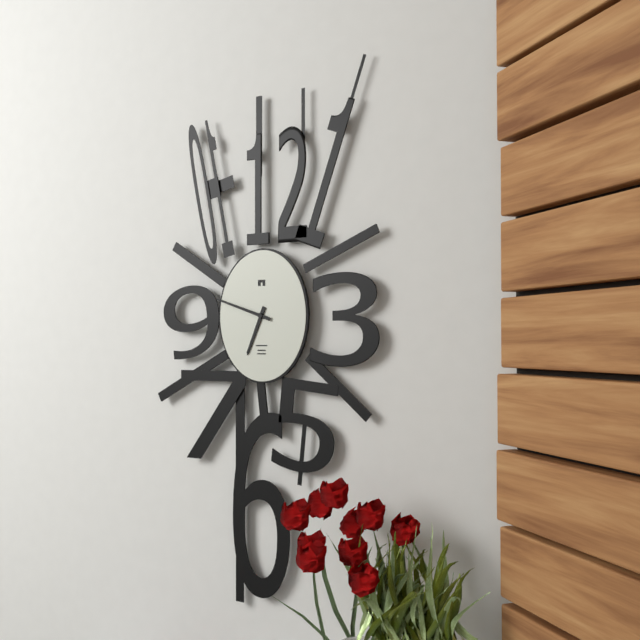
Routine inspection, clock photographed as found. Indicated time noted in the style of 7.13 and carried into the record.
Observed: 6.48
